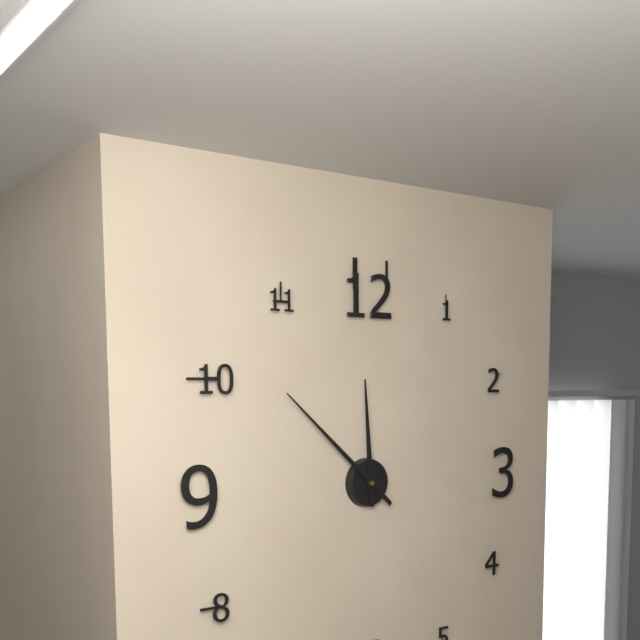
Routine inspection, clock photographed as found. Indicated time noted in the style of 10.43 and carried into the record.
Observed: 11.52
